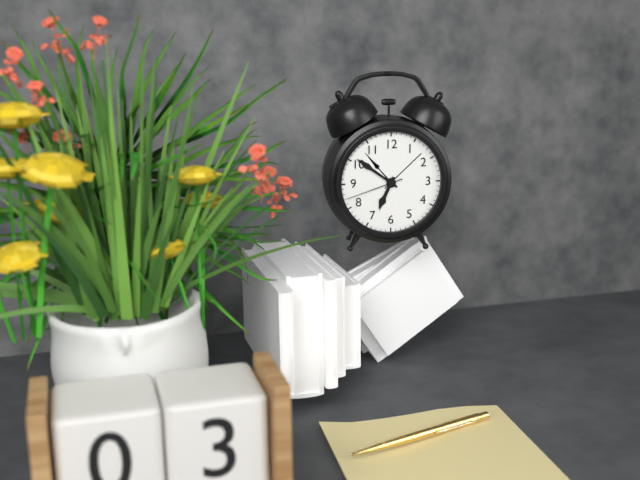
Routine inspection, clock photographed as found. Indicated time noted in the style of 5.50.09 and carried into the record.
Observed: 6.51.42
